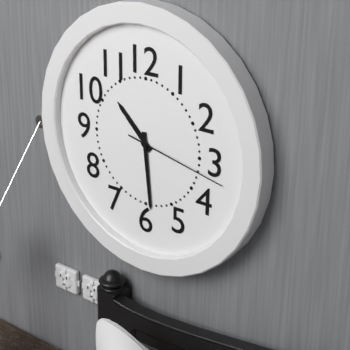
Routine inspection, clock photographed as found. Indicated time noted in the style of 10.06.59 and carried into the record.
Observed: 10.29.17
